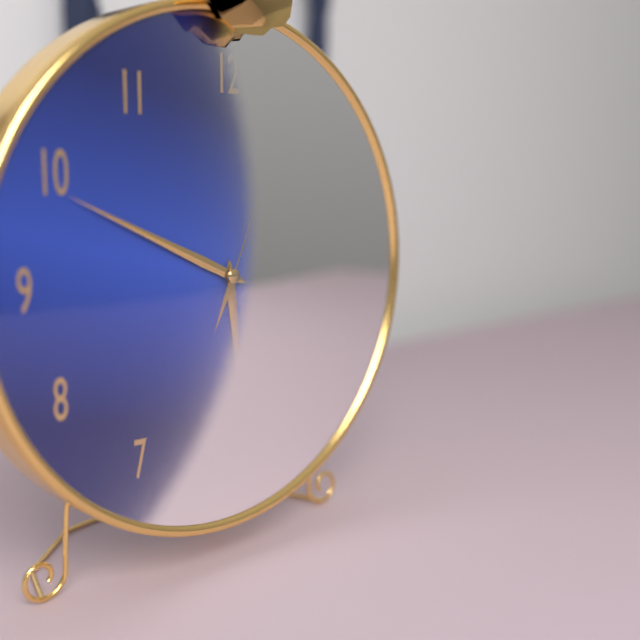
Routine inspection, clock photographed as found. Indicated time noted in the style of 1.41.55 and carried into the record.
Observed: 5.49.04
